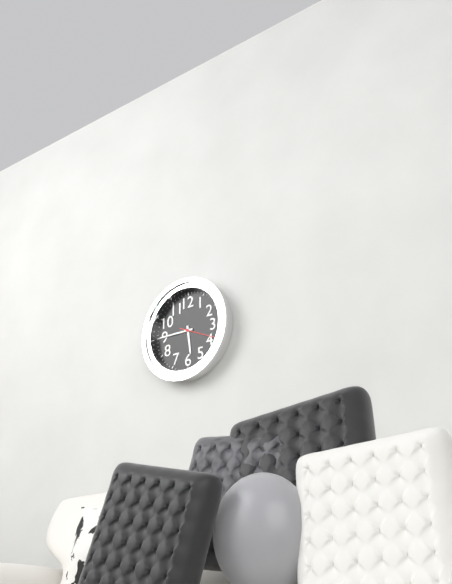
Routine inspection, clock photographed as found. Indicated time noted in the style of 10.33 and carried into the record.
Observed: 5.45
